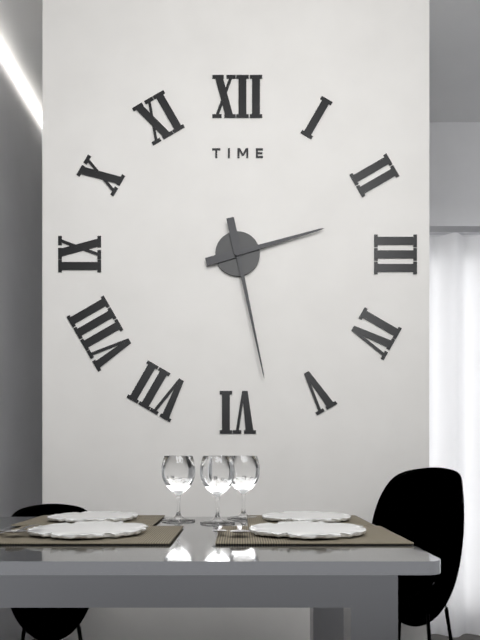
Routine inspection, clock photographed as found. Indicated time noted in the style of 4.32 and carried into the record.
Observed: 2.28
